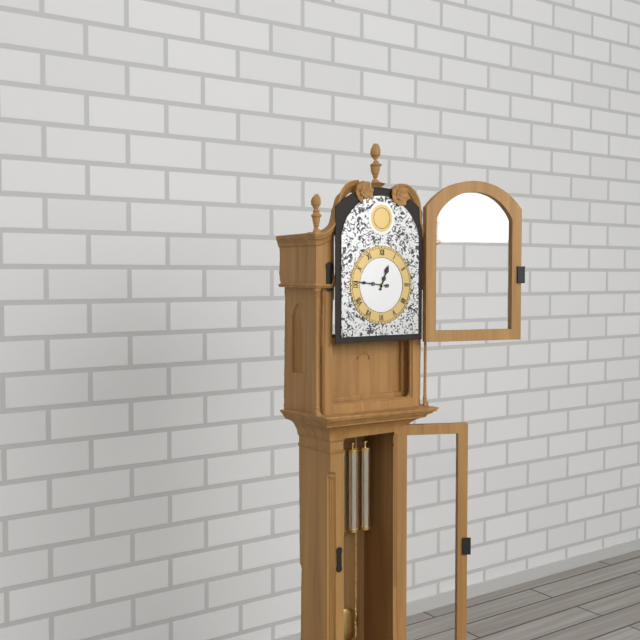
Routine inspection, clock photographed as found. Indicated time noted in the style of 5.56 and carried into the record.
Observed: 12.46
